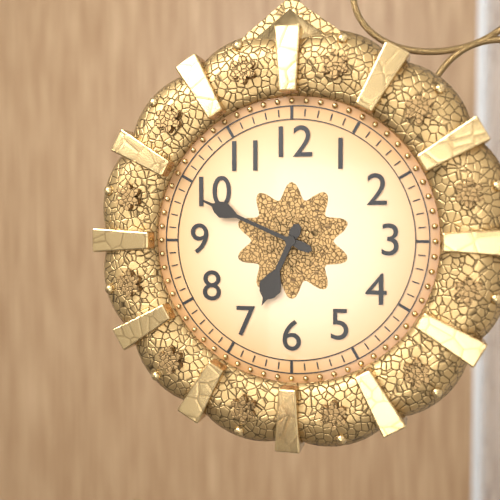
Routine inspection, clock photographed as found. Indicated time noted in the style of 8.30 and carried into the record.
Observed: 6.49
